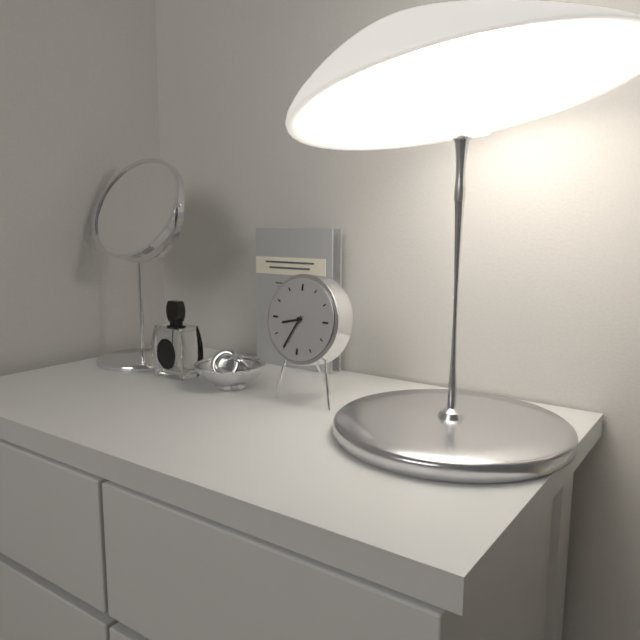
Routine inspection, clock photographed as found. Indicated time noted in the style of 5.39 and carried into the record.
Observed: 8.35
